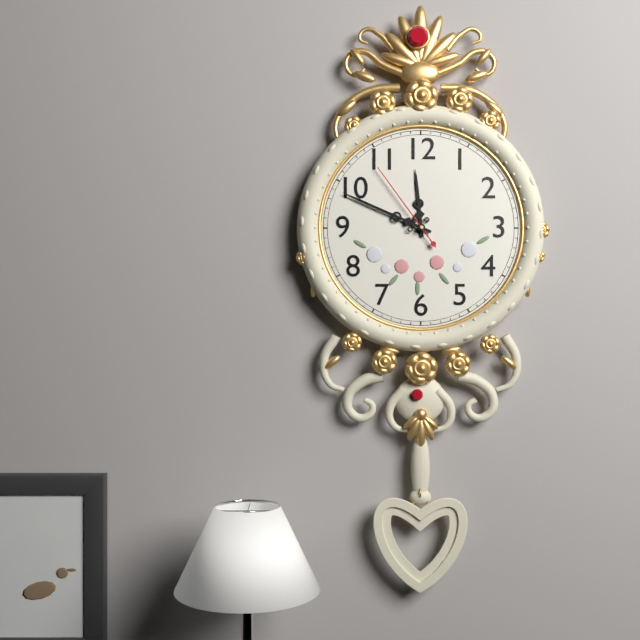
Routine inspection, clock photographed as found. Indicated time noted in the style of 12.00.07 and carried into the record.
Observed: 11.49.54
